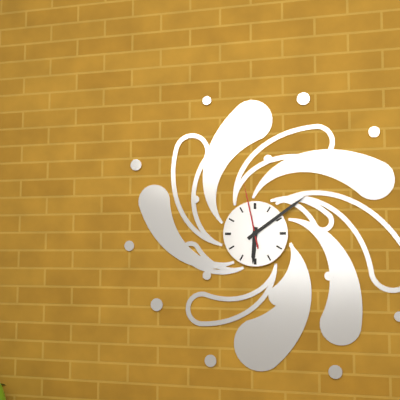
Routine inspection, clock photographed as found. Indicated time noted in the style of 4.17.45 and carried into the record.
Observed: 6.09.58
